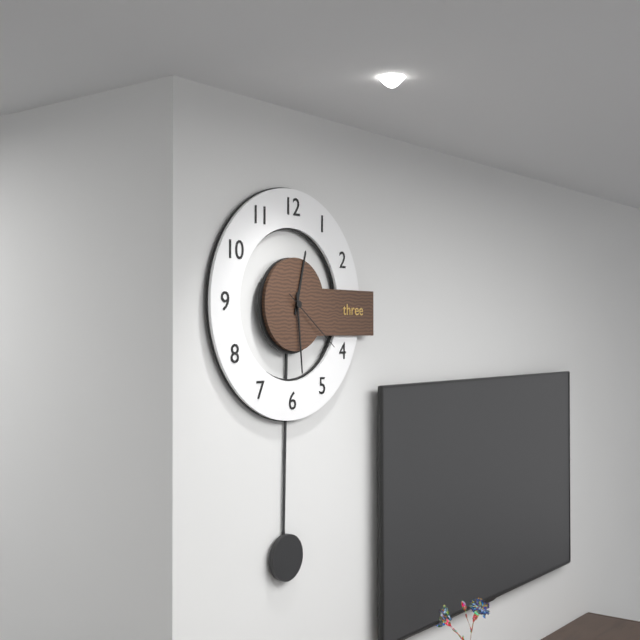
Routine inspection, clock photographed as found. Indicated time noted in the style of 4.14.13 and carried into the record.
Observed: 12.29.21
